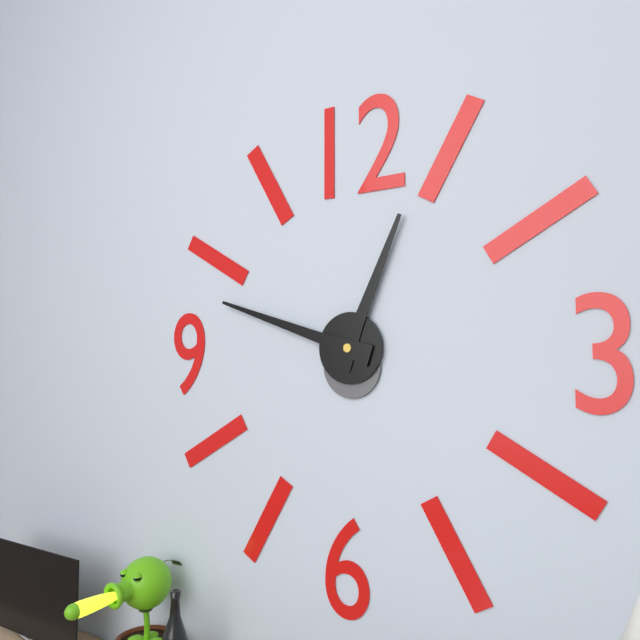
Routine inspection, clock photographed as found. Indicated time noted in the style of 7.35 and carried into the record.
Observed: 12.48
